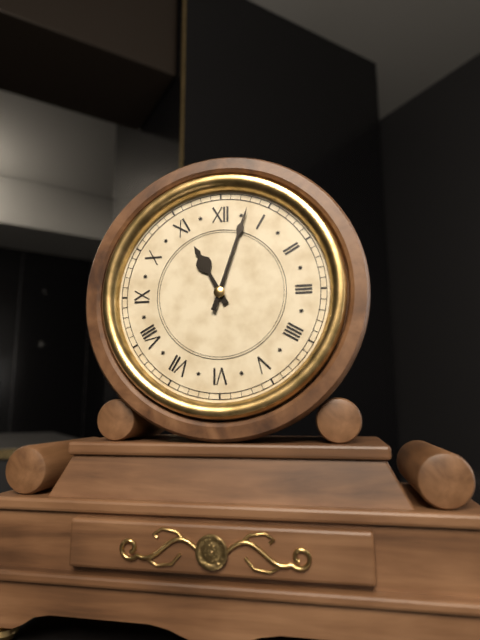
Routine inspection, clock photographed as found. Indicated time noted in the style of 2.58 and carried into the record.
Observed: 11.03
